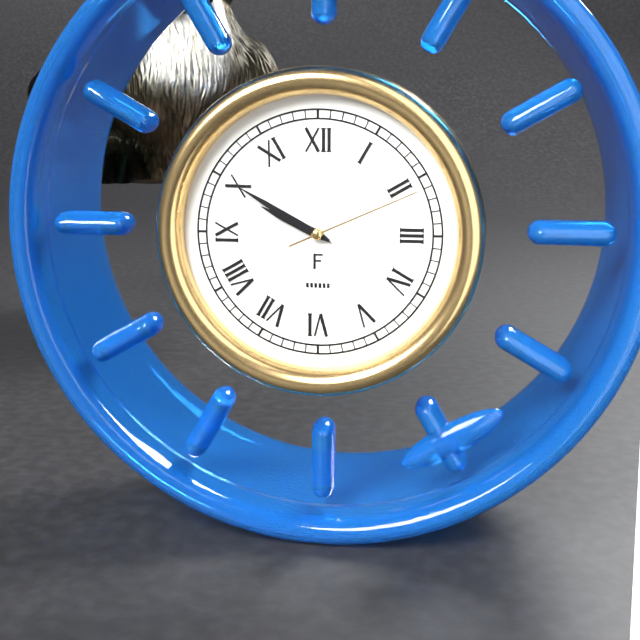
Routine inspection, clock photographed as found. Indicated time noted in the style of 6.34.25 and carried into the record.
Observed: 9.50.11
